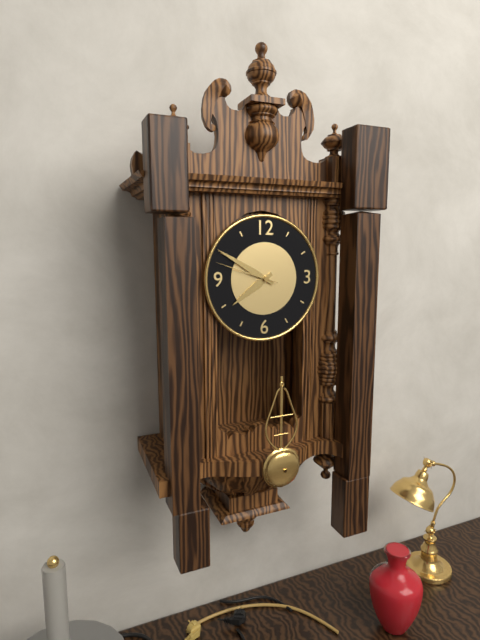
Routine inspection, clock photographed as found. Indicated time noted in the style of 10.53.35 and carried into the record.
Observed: 7.50.48
